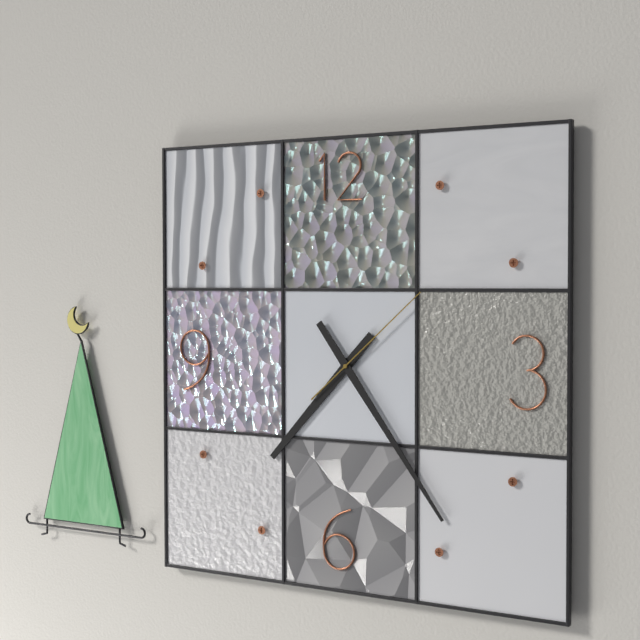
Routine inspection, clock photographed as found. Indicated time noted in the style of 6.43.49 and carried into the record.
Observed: 7.24.08
